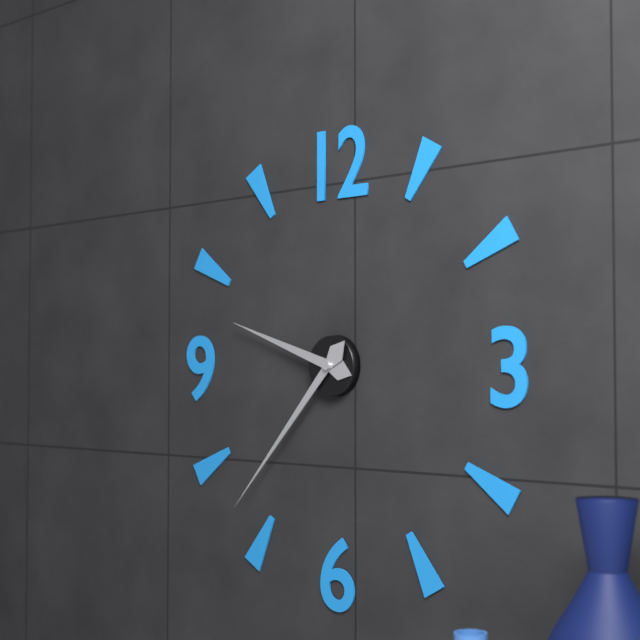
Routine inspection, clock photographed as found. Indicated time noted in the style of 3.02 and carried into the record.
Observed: 9.37
